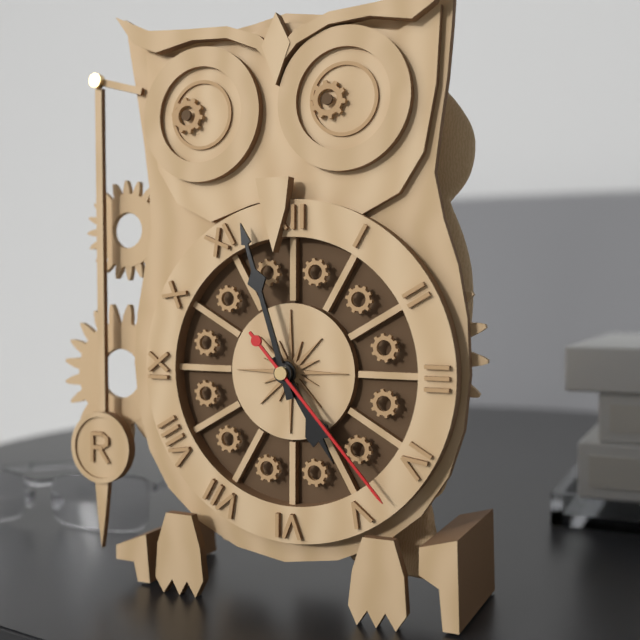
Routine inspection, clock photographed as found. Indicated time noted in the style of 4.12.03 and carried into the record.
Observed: 4.57.23
